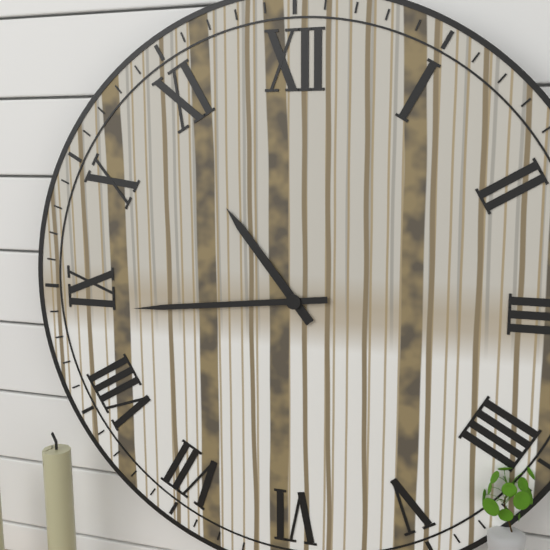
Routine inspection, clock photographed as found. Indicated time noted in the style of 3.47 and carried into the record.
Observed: 10.44
